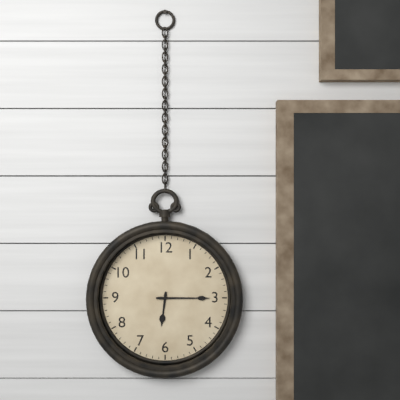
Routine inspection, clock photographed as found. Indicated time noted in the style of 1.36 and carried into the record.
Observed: 6.15
